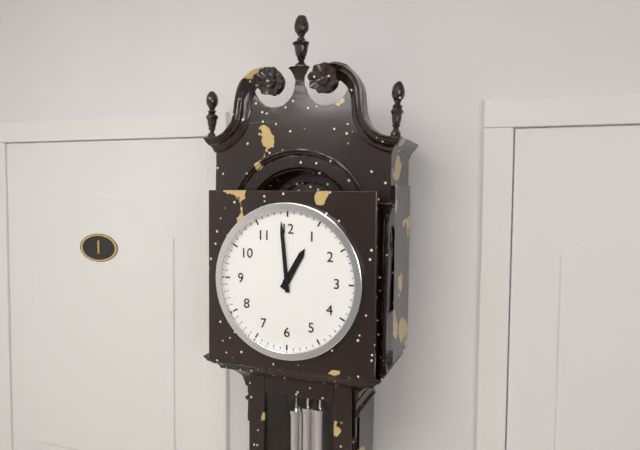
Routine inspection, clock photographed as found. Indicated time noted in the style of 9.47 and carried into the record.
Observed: 12.59
